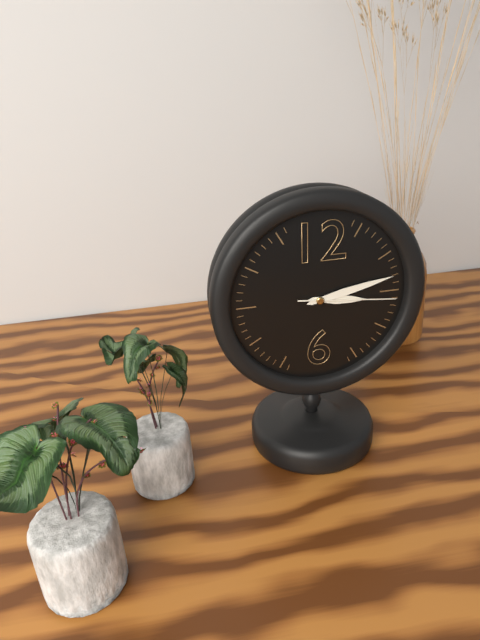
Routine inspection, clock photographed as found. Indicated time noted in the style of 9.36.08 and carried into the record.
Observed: 3.13.16
